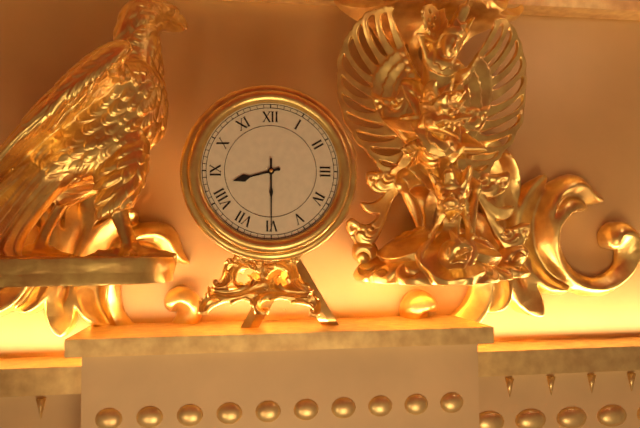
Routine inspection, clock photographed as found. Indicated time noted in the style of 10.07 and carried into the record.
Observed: 8.30
